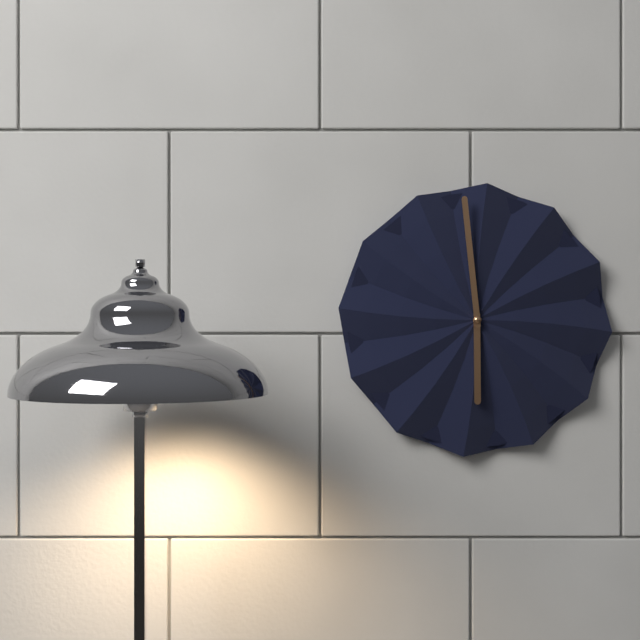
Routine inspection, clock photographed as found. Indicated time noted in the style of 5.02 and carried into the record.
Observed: 5.59
